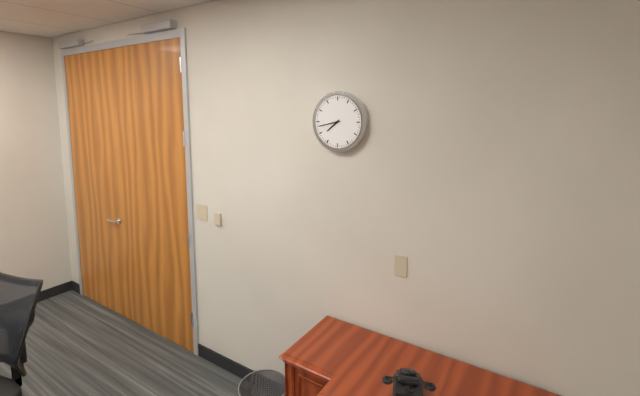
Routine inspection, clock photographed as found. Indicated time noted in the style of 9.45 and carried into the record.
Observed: 7.43
